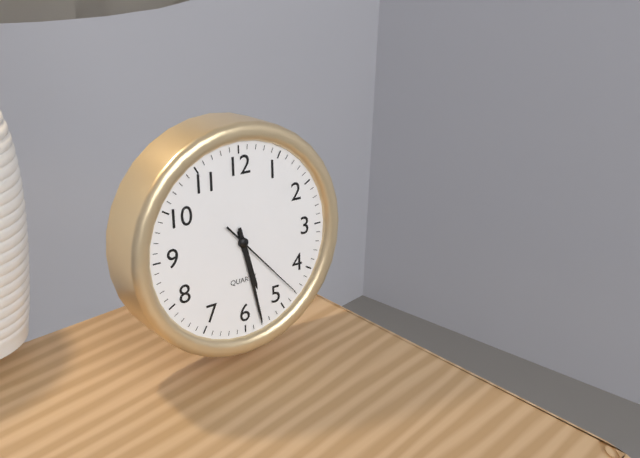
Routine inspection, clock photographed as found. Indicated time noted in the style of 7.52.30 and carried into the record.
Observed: 5.28.23
